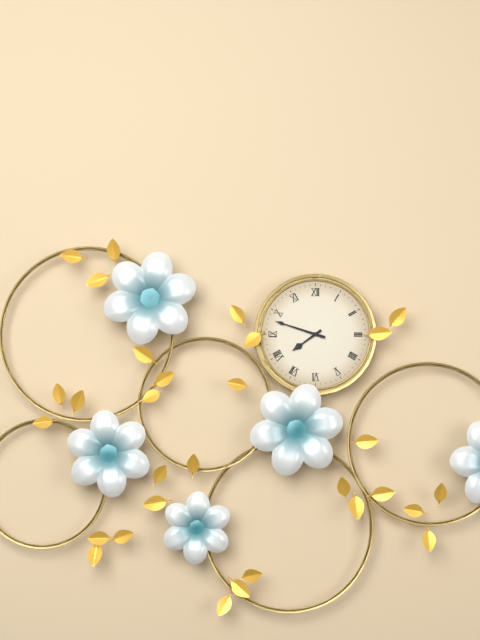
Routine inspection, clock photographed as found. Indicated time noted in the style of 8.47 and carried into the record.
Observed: 7.48
